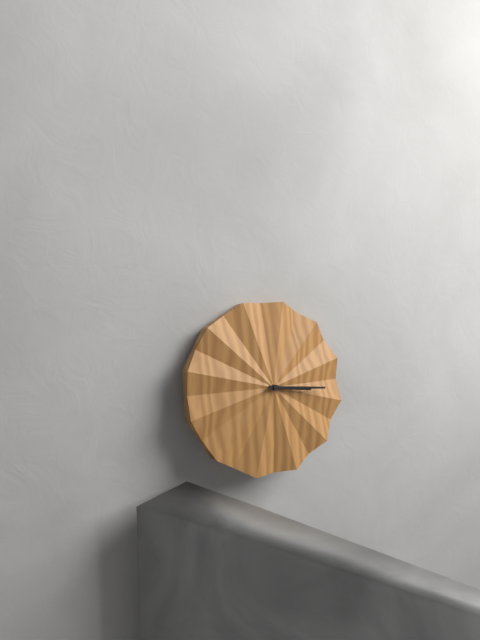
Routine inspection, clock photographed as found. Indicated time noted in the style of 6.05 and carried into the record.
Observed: 3.16
